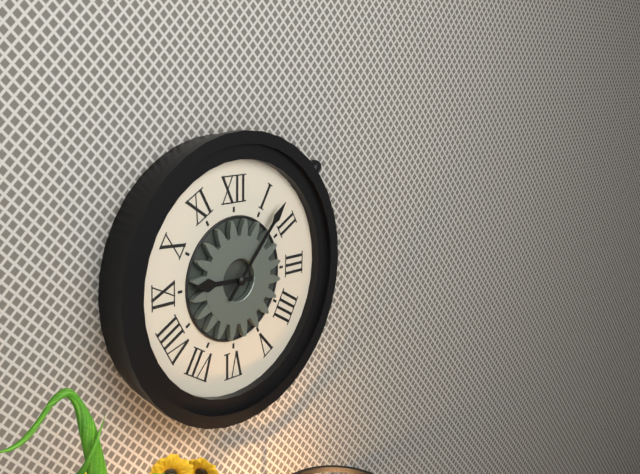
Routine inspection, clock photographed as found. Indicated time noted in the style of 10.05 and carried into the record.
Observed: 9.07
